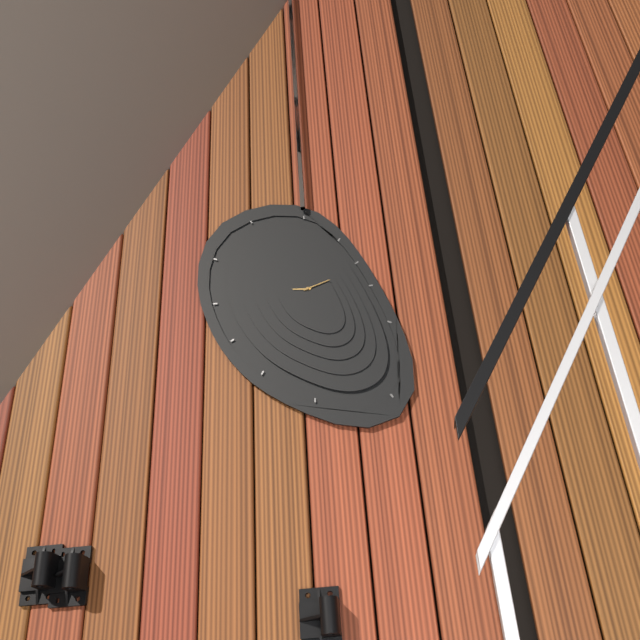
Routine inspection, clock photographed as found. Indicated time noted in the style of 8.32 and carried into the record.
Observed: 9.12
